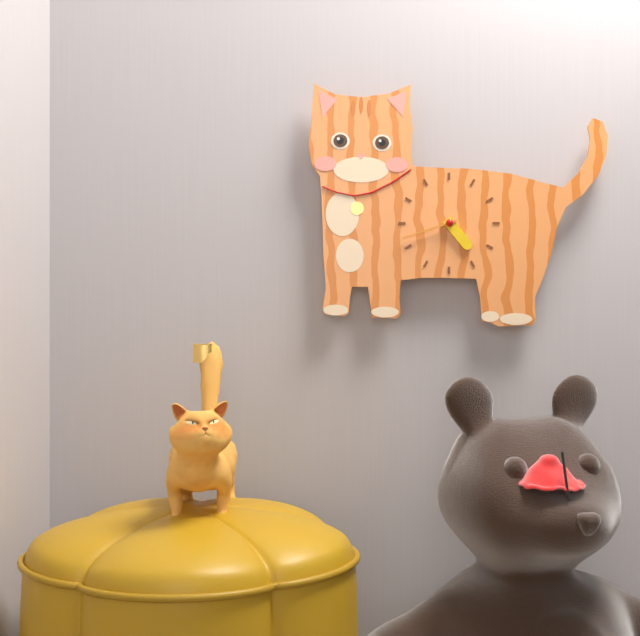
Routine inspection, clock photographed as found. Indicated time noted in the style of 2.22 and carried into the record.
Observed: 4.42
